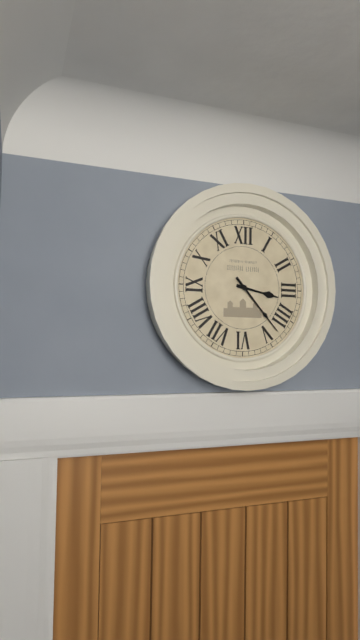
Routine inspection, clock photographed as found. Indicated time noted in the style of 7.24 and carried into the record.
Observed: 3.23
